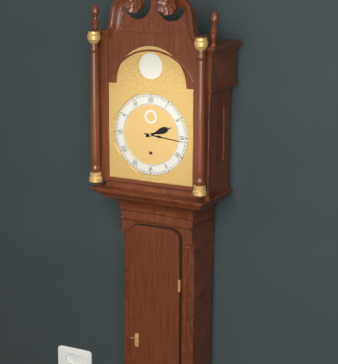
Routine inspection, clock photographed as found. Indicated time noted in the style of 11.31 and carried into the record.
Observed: 2.16
